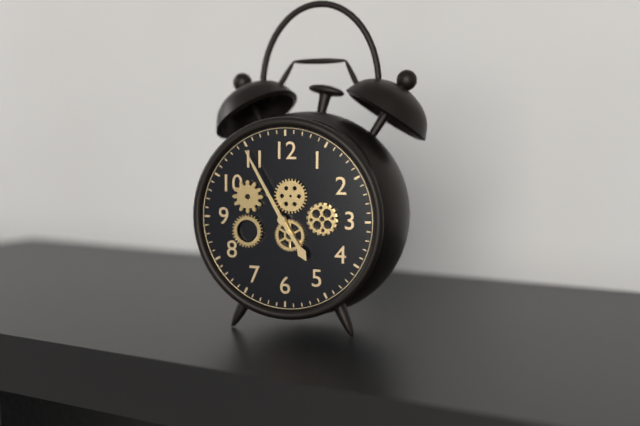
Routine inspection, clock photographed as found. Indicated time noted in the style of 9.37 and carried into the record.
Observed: 4.55
